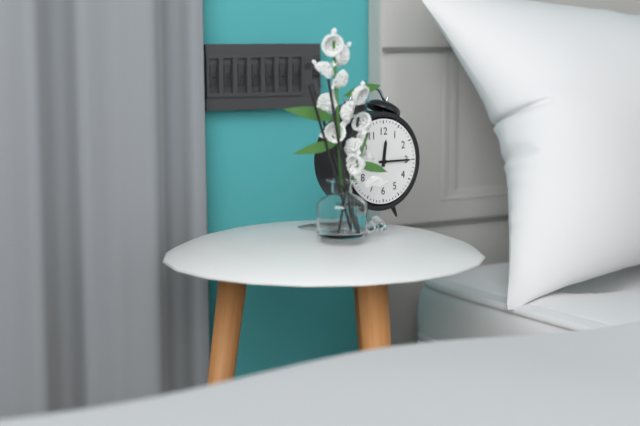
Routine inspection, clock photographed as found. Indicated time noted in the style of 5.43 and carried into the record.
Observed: 12.15
